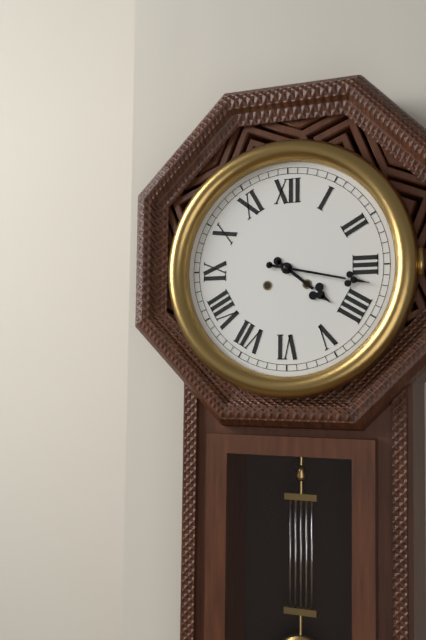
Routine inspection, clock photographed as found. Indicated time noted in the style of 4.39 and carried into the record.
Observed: 4.17
